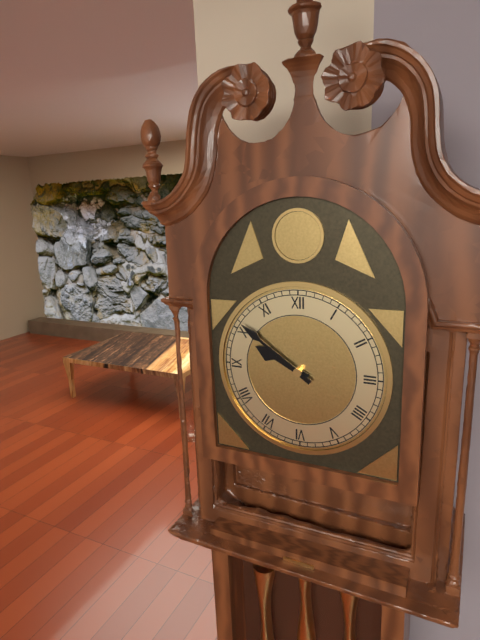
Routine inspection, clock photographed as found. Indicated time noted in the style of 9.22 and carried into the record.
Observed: 9.51
